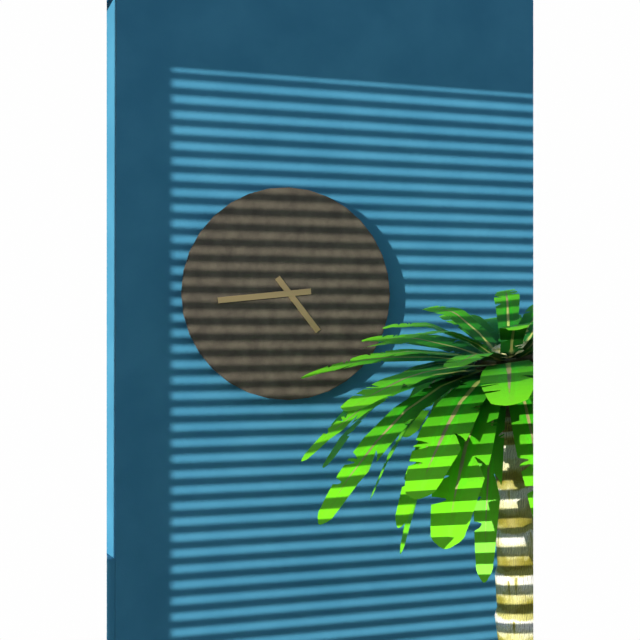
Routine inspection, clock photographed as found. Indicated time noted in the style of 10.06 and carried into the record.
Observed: 4.44
